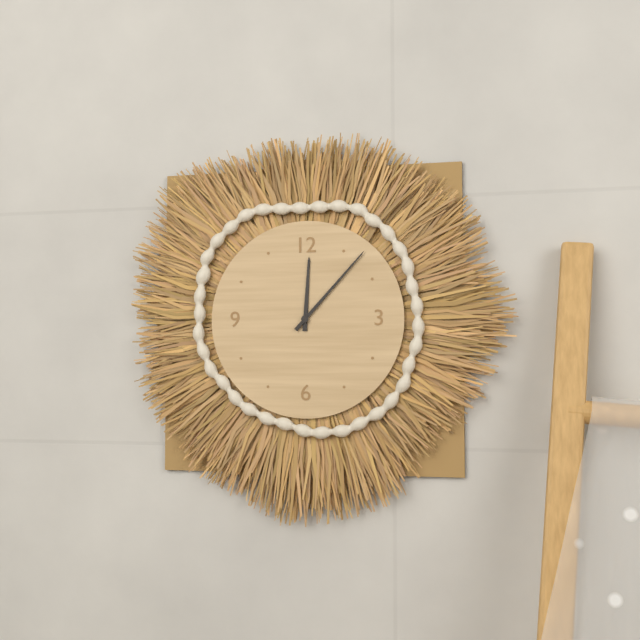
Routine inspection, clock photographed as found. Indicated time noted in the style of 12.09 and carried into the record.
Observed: 12.07
